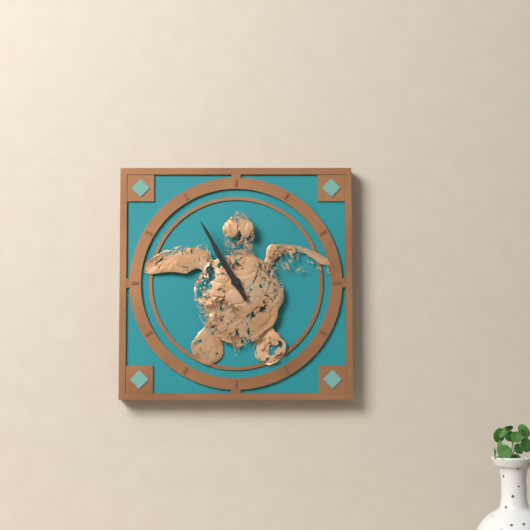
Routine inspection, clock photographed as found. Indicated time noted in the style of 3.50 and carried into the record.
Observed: 10.55
